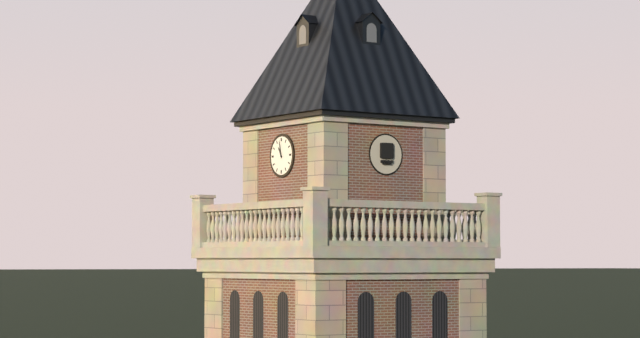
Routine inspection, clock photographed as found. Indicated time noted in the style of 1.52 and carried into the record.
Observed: 10.58
